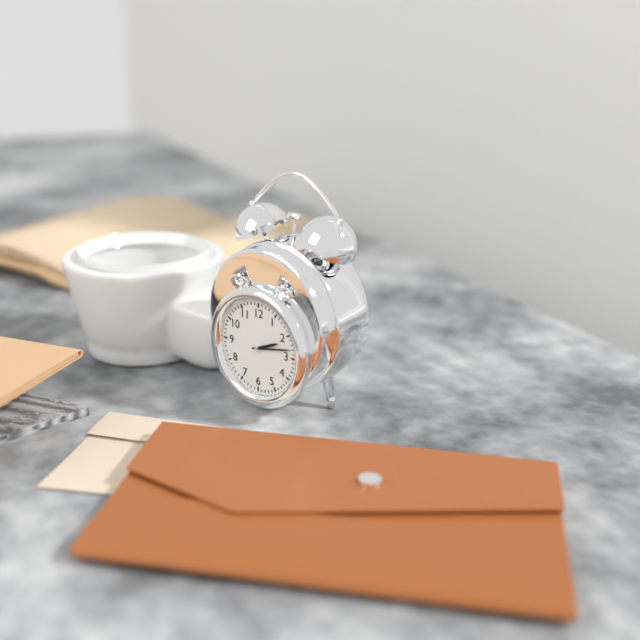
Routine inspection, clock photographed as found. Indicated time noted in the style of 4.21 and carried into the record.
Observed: 2.13
